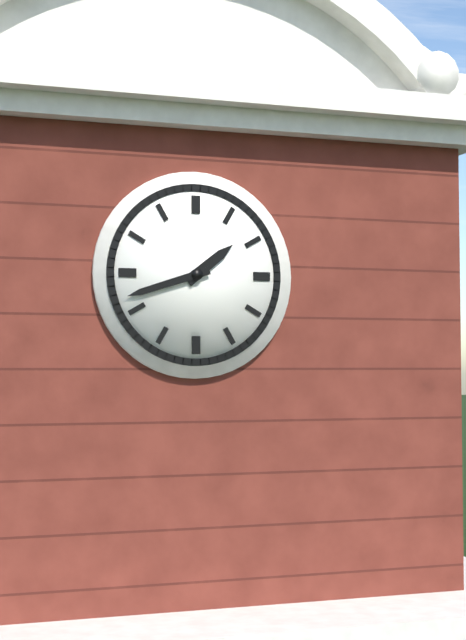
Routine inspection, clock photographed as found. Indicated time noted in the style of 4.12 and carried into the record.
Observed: 1.42
